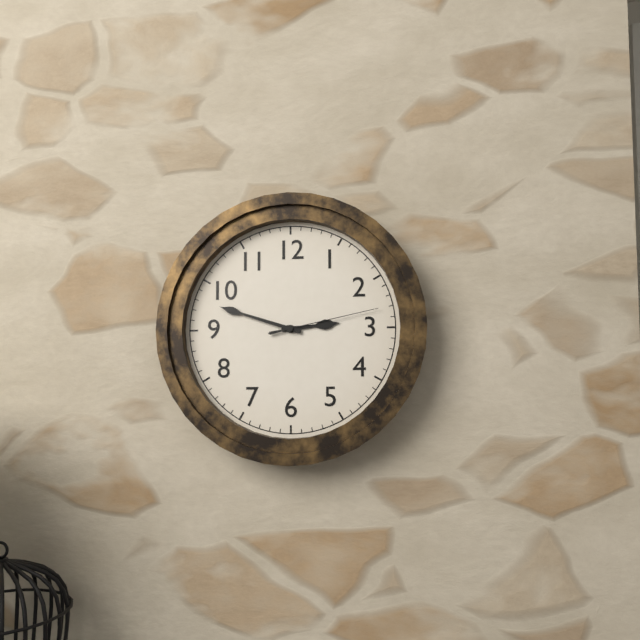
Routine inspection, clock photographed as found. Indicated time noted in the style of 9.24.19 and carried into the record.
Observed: 2.48.13
